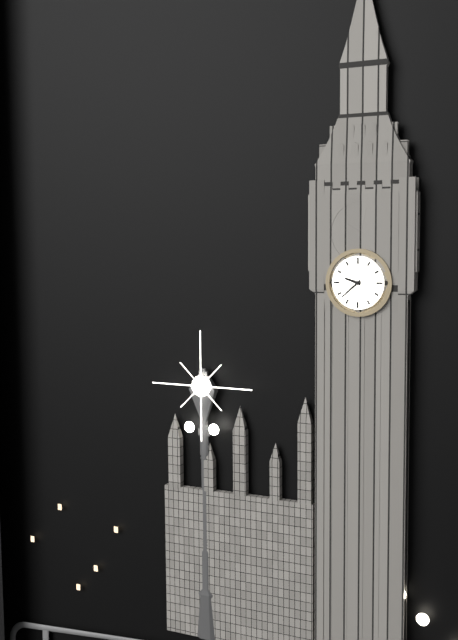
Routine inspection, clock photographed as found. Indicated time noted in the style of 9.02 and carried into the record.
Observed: 9.38
